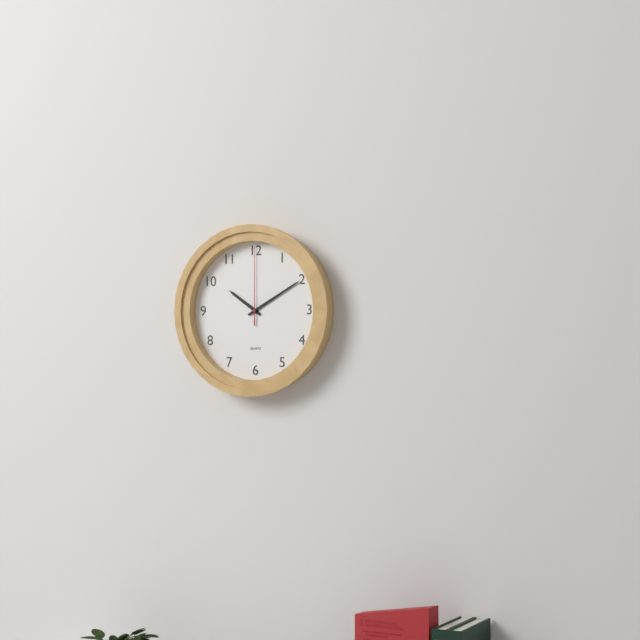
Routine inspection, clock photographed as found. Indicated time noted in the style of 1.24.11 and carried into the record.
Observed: 10.10.00
